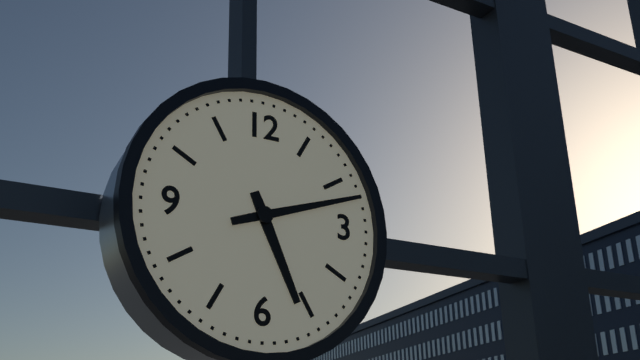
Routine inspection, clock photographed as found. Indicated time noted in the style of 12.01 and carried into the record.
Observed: 5.12
